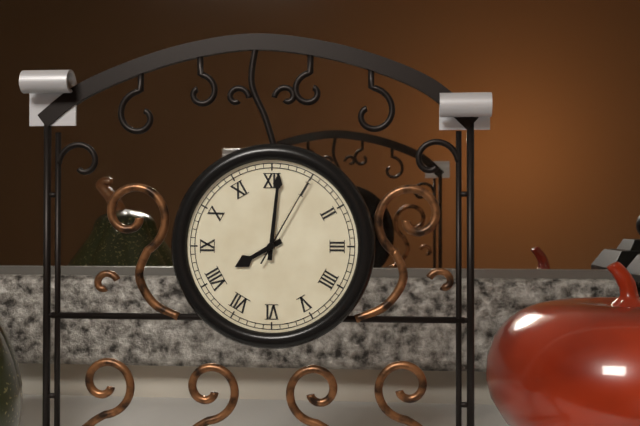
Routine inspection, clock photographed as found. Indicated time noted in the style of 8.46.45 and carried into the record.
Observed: 8.01.05
